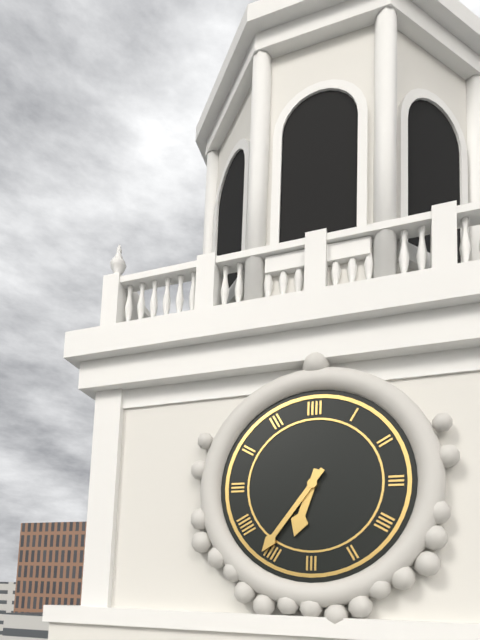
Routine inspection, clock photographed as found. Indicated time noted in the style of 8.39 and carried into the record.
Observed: 6.36
